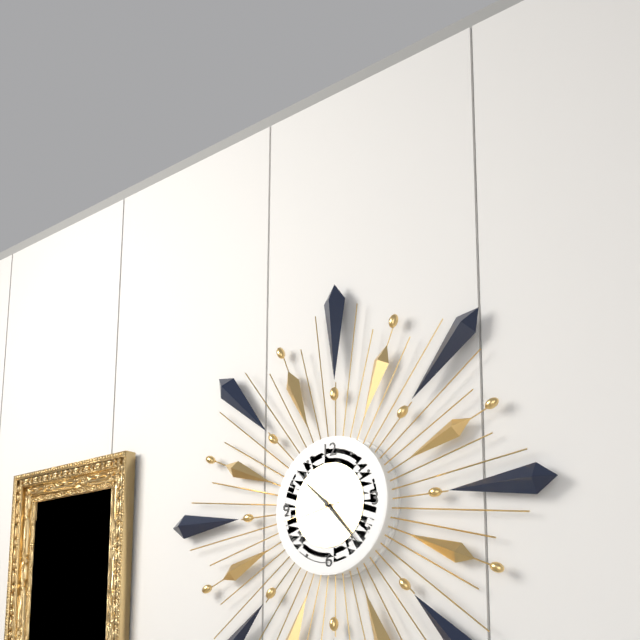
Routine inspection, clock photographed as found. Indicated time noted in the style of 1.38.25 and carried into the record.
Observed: 10.23.43
